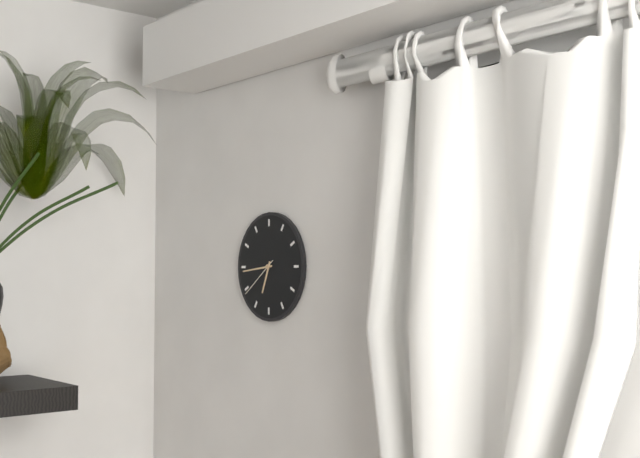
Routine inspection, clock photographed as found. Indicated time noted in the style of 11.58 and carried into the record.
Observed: 6.44
